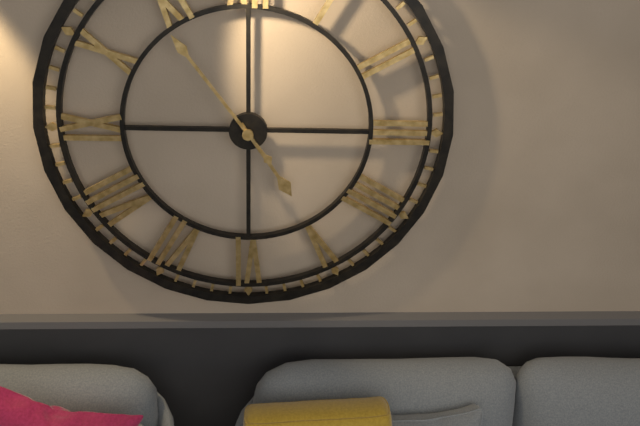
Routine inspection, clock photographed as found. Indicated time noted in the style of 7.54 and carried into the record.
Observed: 4.54
